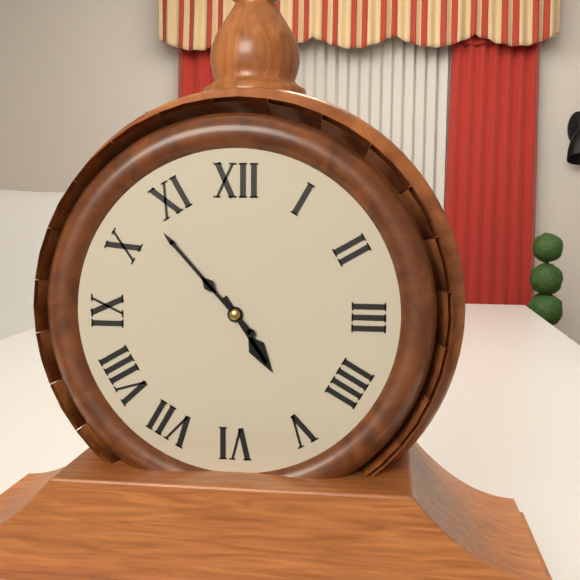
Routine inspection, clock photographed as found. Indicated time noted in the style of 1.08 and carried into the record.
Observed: 4.53
